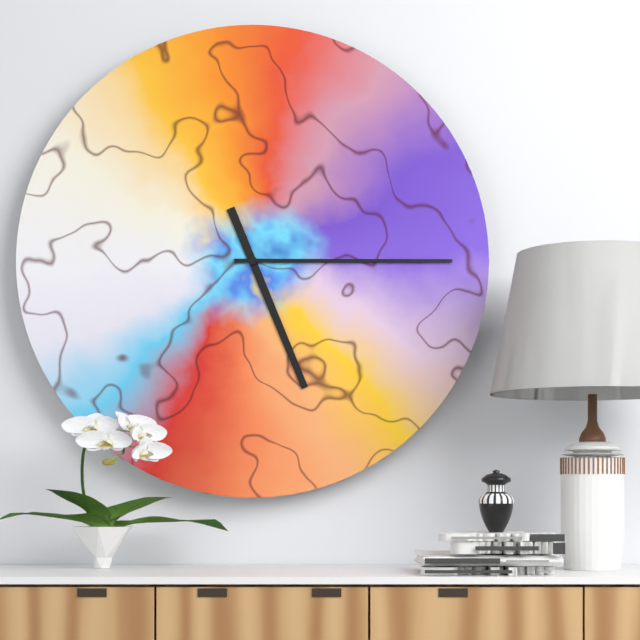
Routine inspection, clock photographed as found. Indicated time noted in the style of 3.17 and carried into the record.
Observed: 5.15
